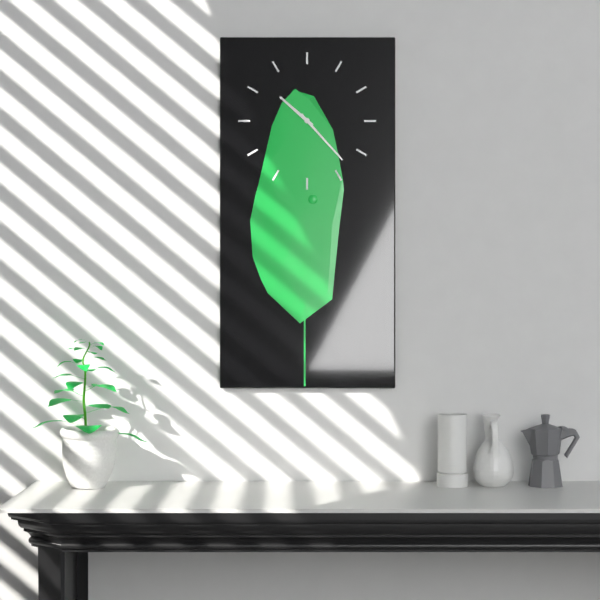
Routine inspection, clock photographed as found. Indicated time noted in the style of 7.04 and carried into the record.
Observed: 10.23
